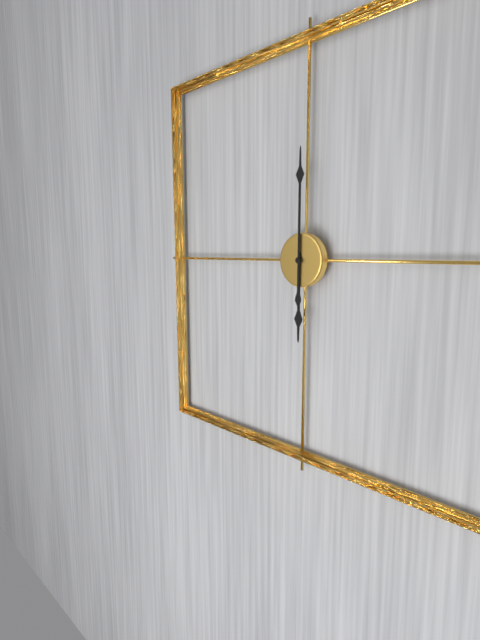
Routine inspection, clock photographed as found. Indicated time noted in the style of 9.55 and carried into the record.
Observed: 6.00
